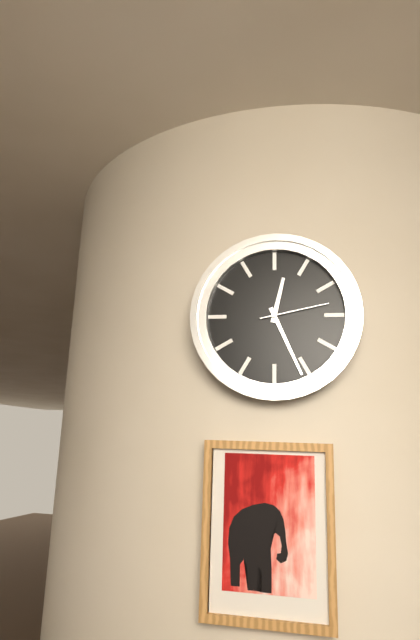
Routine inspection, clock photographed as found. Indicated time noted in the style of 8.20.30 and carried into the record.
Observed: 12.26.13
